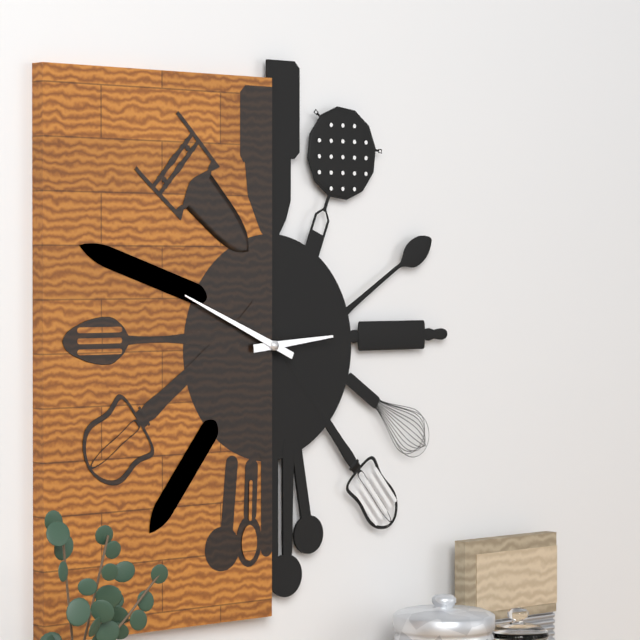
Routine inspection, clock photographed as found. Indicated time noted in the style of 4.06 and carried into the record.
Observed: 2.49
